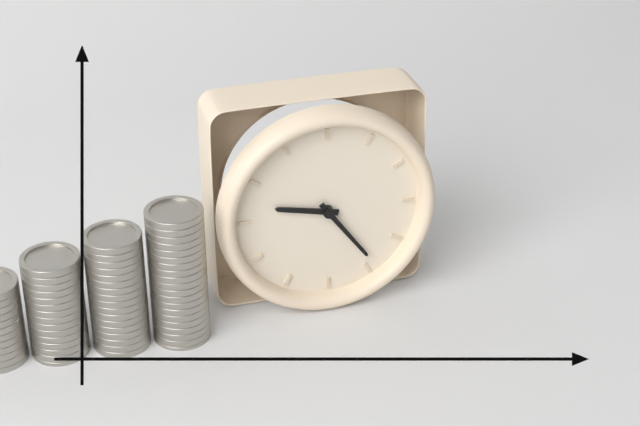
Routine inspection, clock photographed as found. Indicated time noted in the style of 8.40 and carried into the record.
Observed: 9.24
